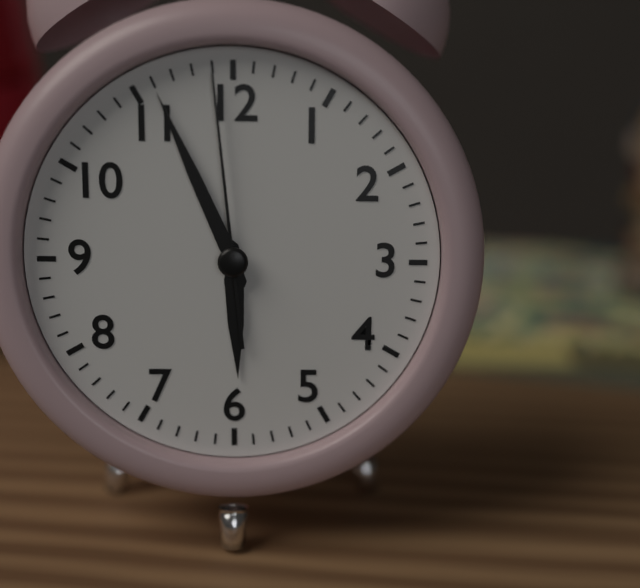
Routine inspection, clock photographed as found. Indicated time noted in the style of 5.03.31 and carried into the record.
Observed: 5.56.59
